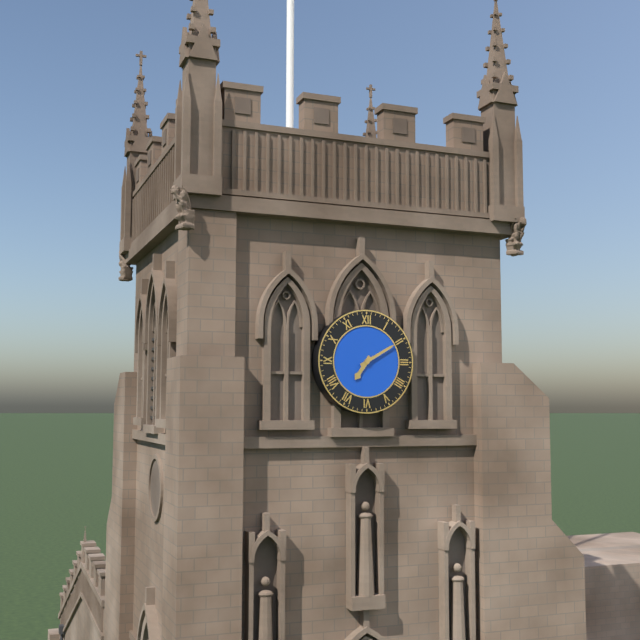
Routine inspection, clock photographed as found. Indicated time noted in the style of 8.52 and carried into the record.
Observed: 7.10
